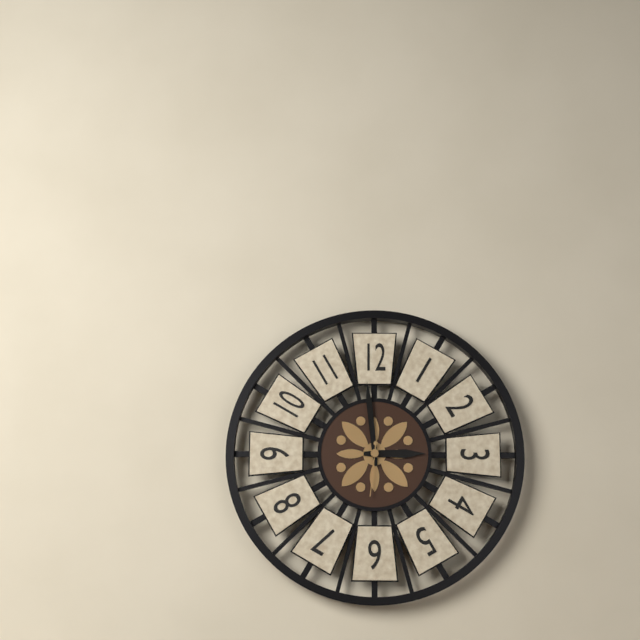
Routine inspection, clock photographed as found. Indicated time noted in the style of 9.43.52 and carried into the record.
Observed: 2.59.31
